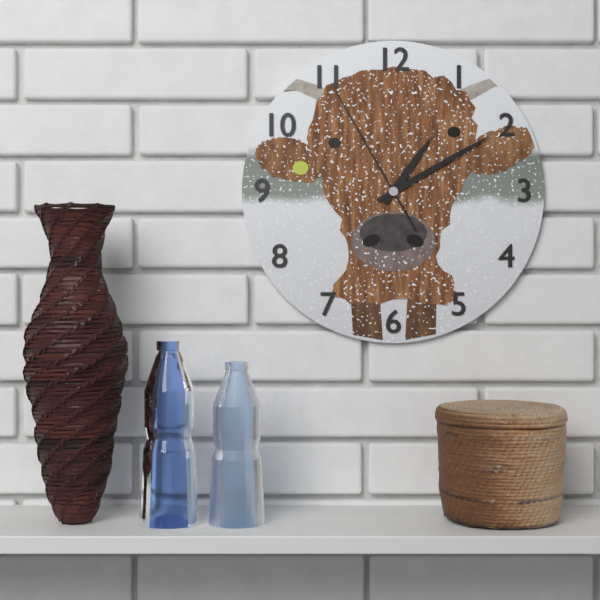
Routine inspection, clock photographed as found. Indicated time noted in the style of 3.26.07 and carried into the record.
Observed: 1.10.55
